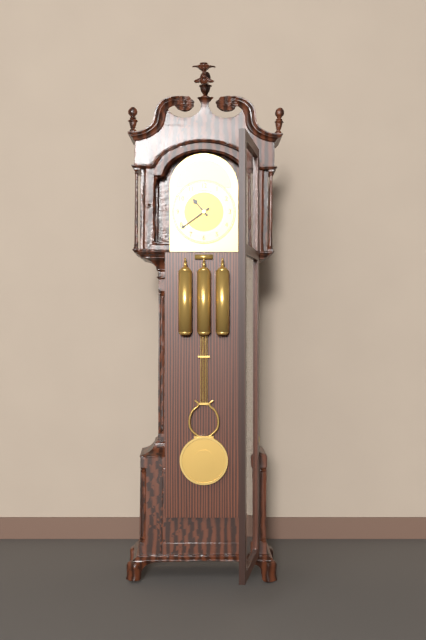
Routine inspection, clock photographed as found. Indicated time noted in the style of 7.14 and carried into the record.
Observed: 10.39
